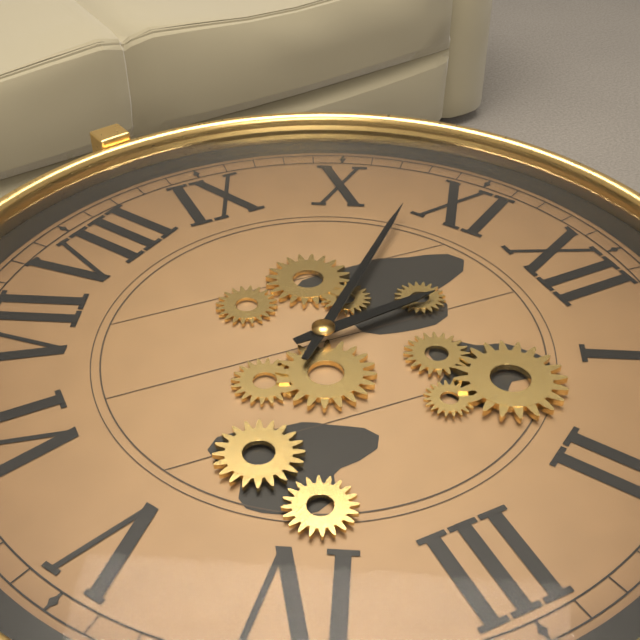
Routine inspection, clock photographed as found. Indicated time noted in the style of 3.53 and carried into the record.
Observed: 11.53
